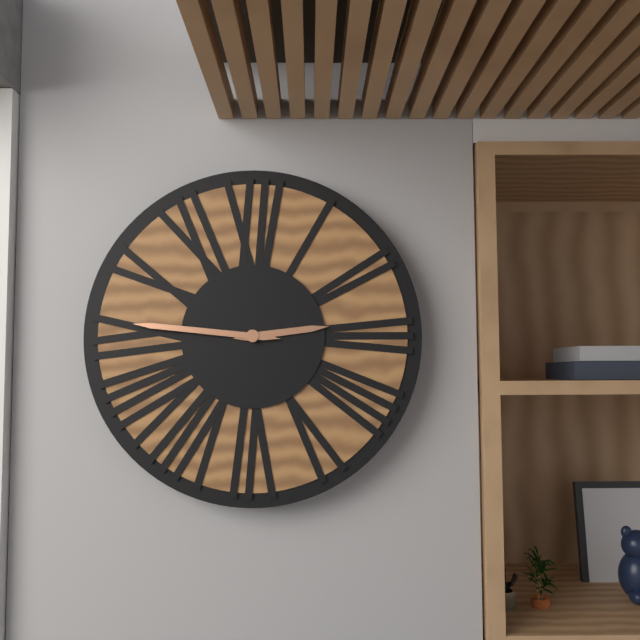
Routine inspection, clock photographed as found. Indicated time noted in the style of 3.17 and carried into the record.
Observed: 2.46
